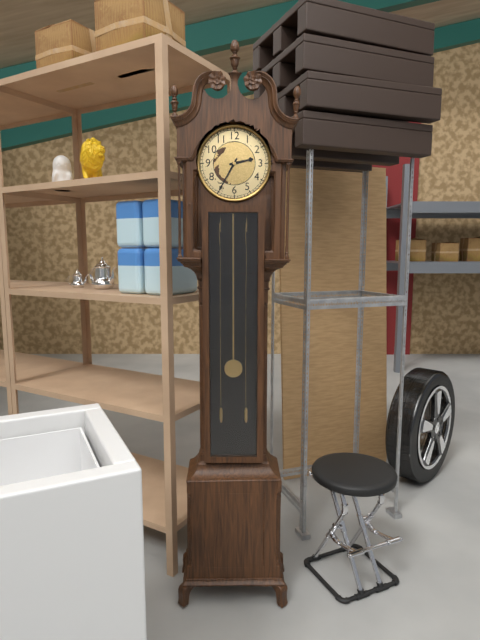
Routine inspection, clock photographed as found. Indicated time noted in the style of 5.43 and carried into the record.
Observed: 2.35
